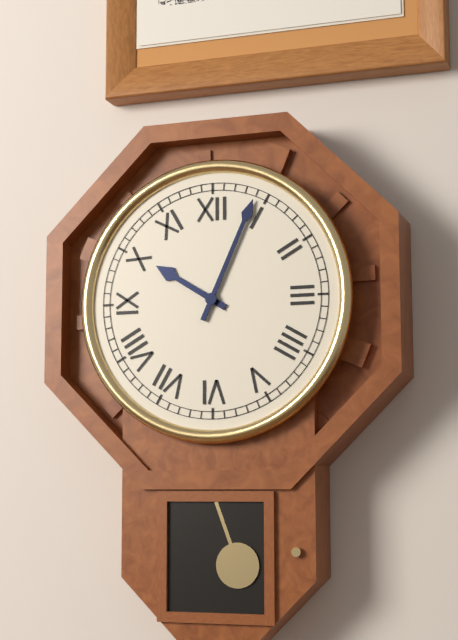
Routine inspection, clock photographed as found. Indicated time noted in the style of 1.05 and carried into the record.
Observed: 10.04
